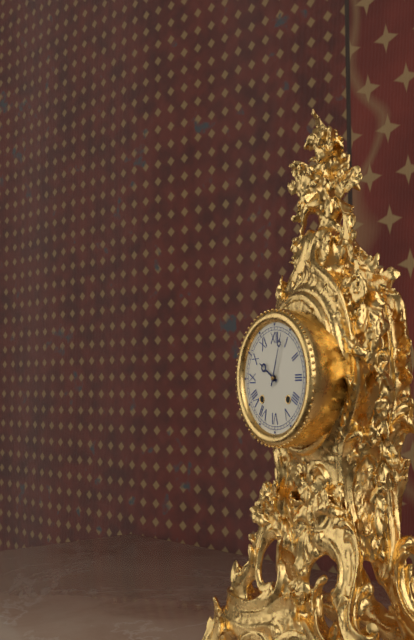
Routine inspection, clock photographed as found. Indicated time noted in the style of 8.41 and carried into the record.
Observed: 10.03
